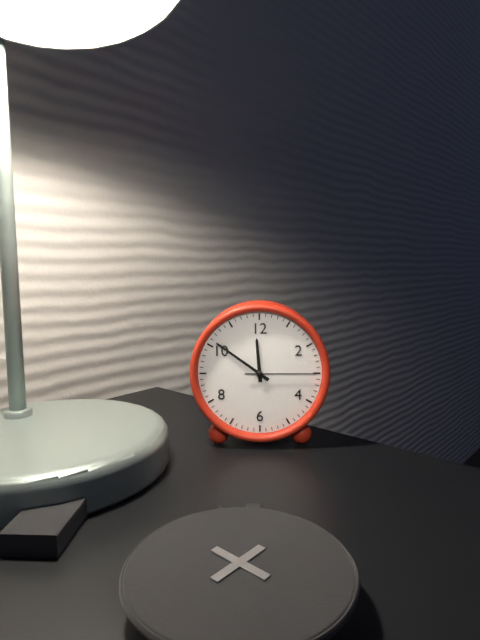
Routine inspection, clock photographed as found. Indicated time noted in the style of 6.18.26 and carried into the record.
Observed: 11.51.15
